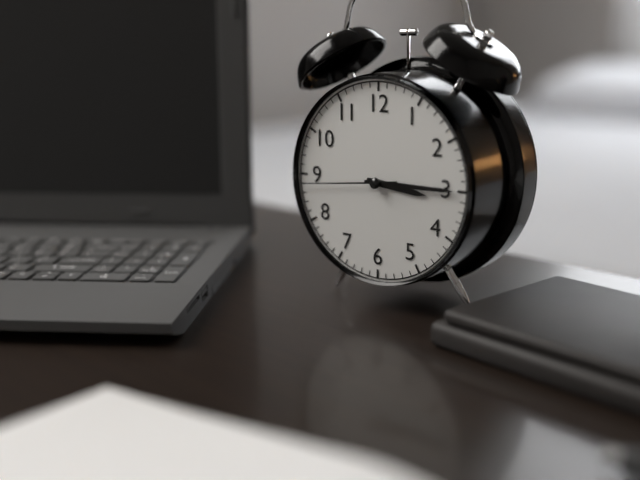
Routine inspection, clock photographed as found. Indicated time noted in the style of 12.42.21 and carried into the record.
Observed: 3.15.44
